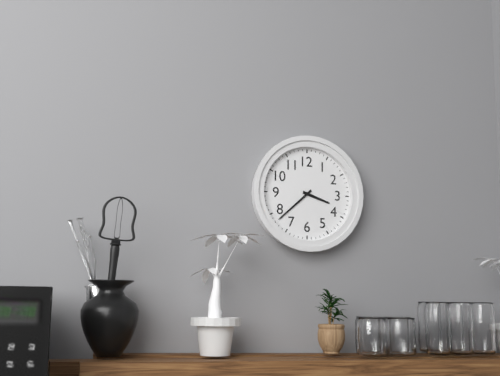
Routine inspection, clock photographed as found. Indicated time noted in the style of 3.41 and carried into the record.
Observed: 3.38
